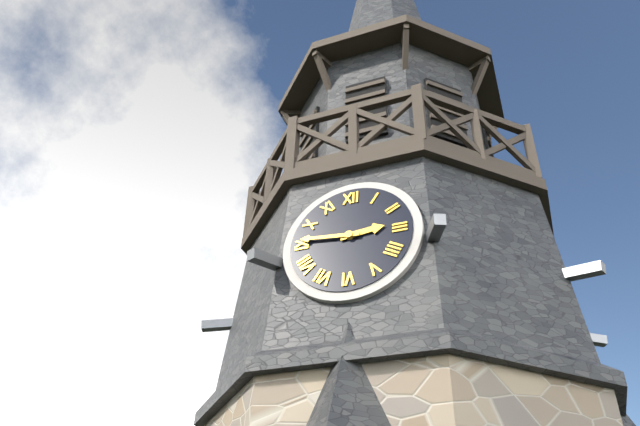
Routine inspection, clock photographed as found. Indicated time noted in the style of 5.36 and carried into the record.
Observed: 2.46
